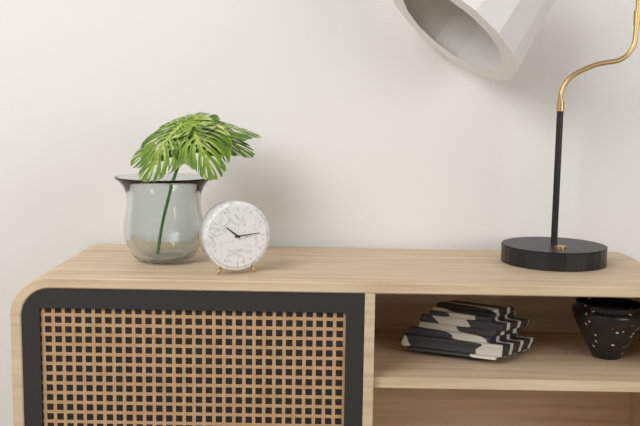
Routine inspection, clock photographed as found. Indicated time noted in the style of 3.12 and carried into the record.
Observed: 10.14
